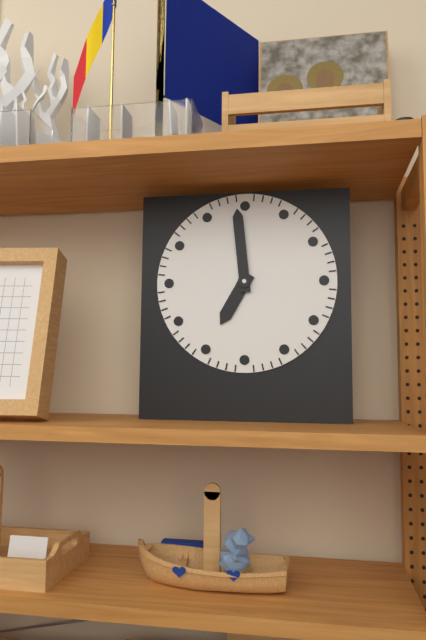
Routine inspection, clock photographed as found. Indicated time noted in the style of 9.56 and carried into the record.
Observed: 6.59
